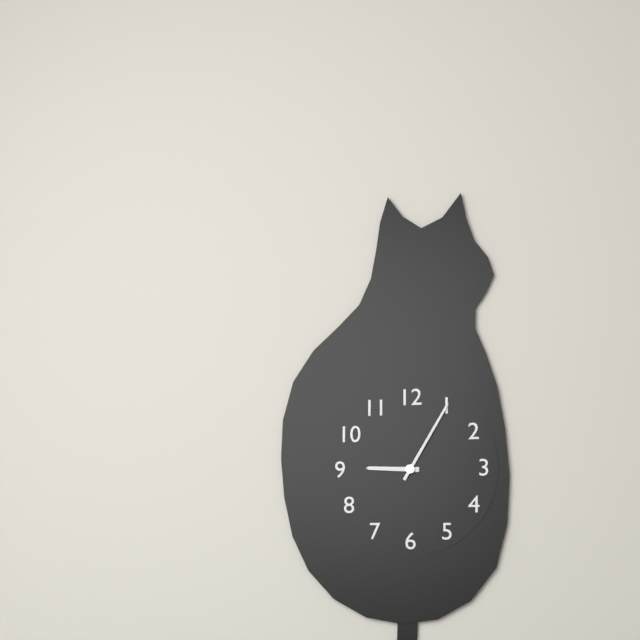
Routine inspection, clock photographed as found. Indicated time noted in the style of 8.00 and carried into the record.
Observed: 9.05
